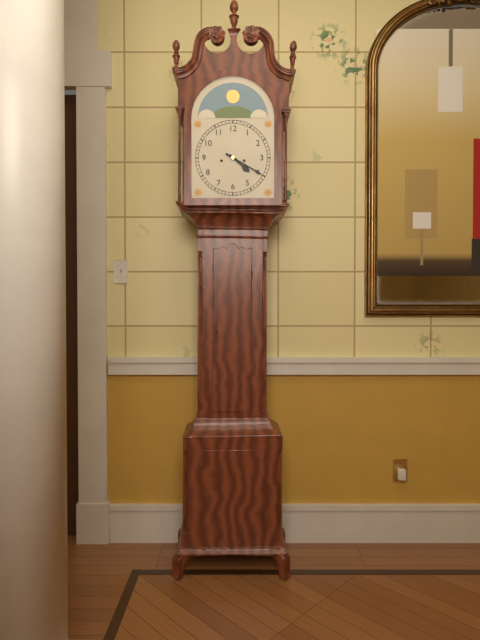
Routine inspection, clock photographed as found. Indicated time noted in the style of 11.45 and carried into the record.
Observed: 4.20
